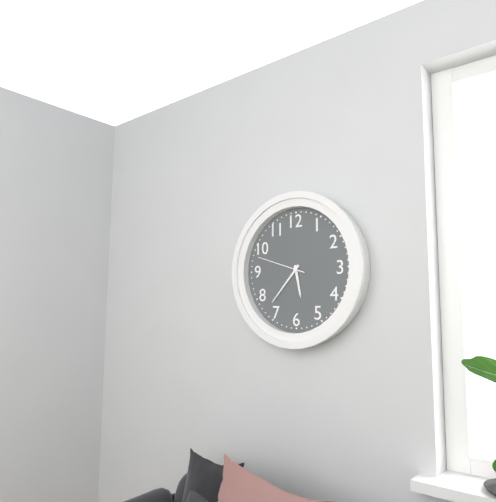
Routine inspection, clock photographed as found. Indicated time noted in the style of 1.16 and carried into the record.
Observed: 5.37
